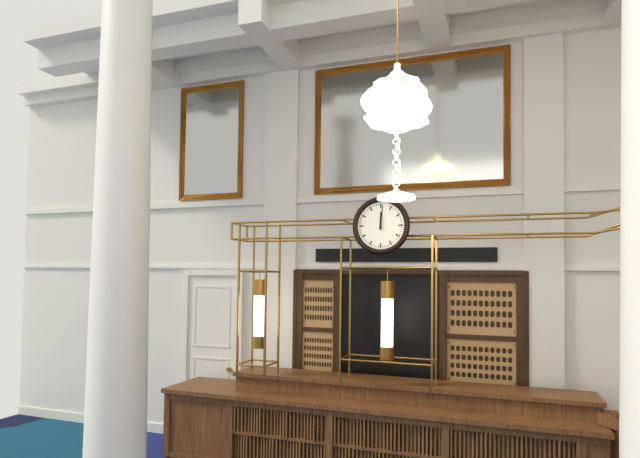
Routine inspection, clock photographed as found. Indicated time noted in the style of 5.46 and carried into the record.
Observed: 12.01
